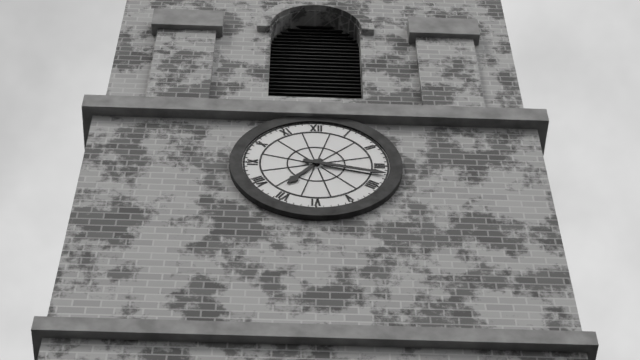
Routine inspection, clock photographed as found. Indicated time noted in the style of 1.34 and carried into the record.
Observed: 7.17
